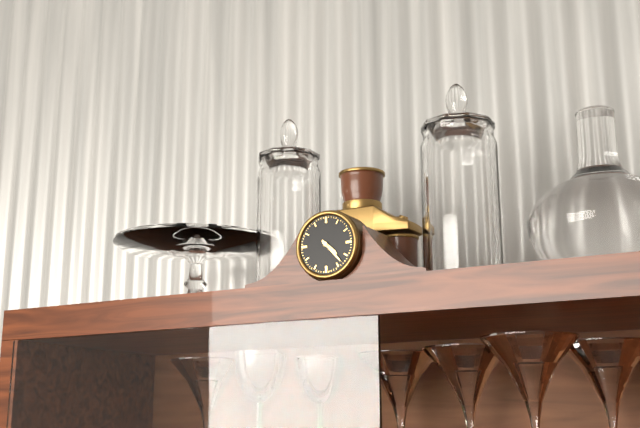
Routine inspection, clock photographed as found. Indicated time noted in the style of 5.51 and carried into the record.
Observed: 4.23
